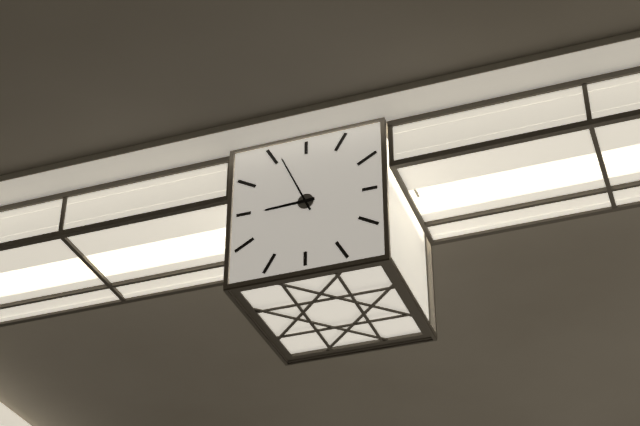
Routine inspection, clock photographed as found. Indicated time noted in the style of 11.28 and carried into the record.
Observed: 8.56
